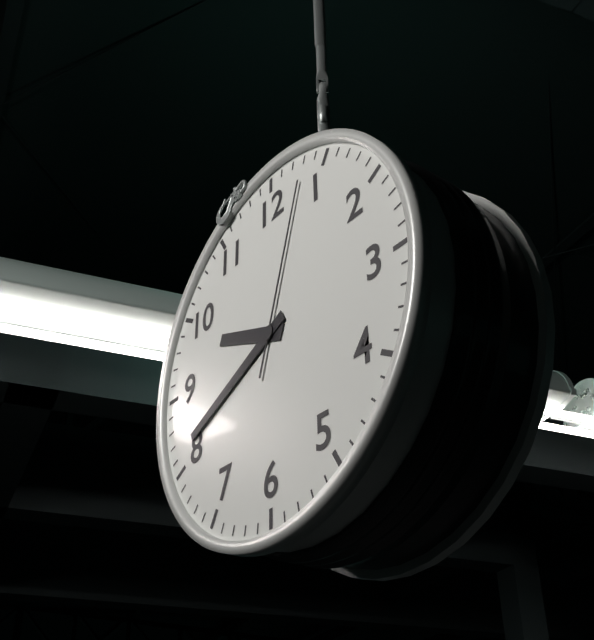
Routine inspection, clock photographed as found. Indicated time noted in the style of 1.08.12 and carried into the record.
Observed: 9.41.03
